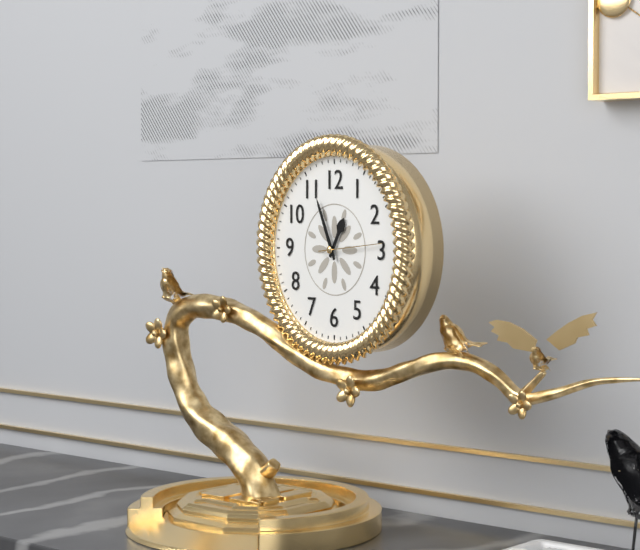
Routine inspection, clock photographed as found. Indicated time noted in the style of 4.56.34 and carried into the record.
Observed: 12.56.14
